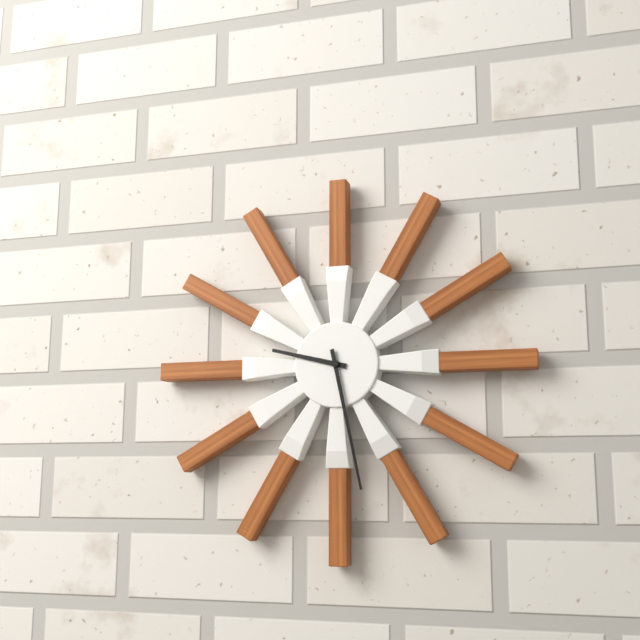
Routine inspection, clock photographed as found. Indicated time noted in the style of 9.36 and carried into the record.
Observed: 9.28
